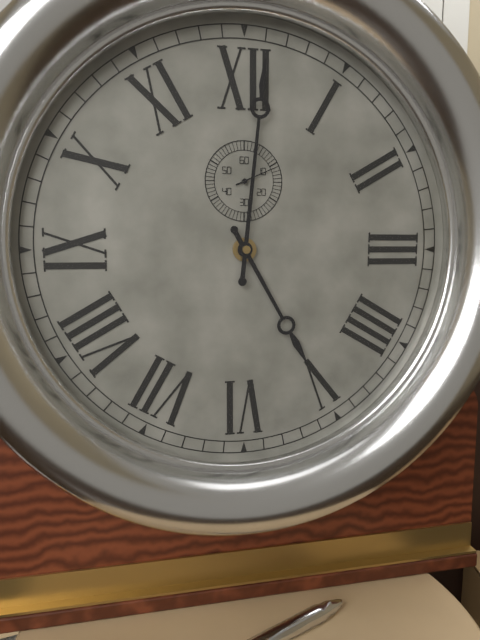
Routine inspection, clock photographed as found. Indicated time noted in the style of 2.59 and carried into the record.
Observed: 5.01
